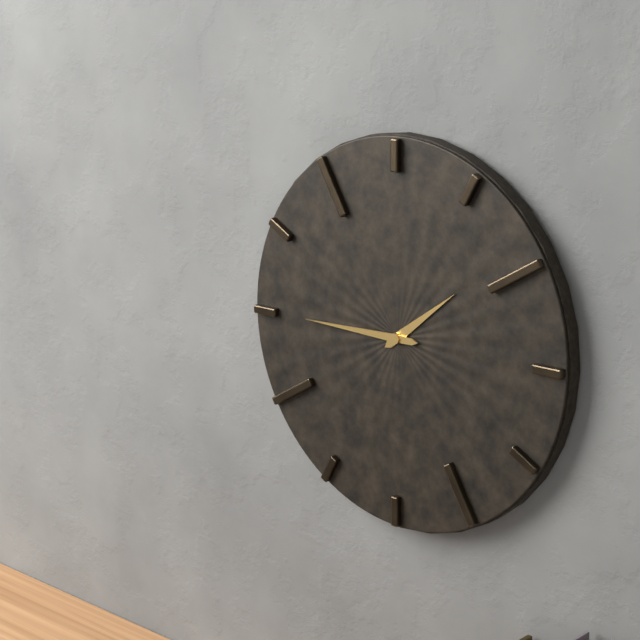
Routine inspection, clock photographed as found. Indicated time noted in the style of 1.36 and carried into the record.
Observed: 1.45
